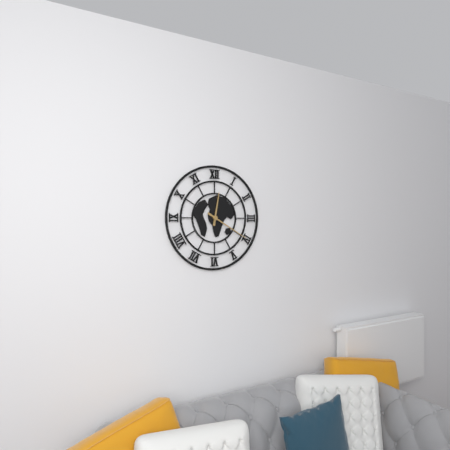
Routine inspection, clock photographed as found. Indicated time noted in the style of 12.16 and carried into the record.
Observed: 12.20
